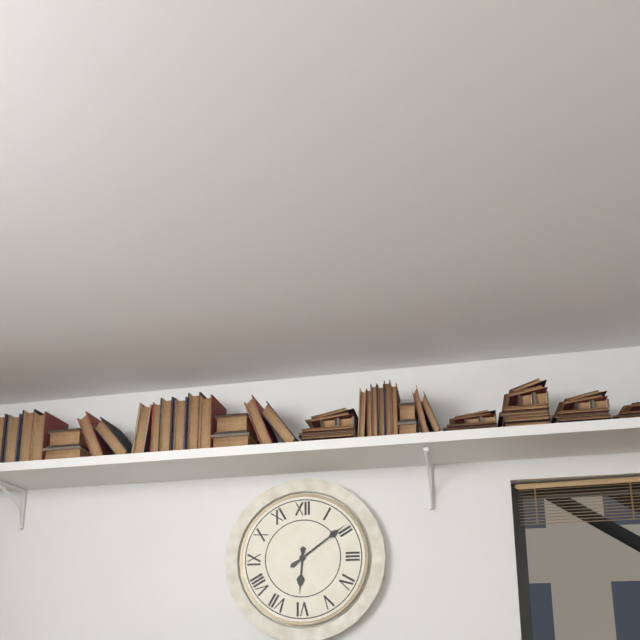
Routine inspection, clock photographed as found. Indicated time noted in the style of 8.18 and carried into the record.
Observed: 6.09
